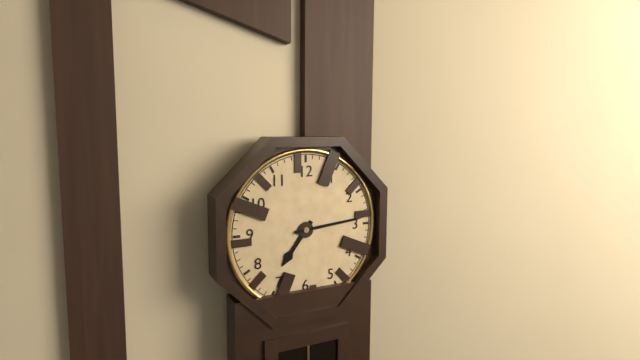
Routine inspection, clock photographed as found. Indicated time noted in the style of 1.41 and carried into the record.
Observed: 7.14
